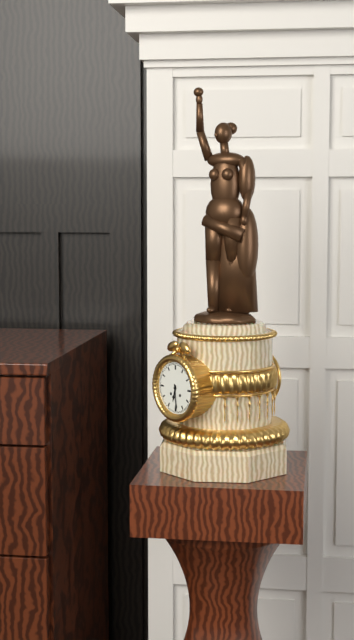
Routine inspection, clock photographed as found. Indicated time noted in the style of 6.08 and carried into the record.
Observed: 6.29
